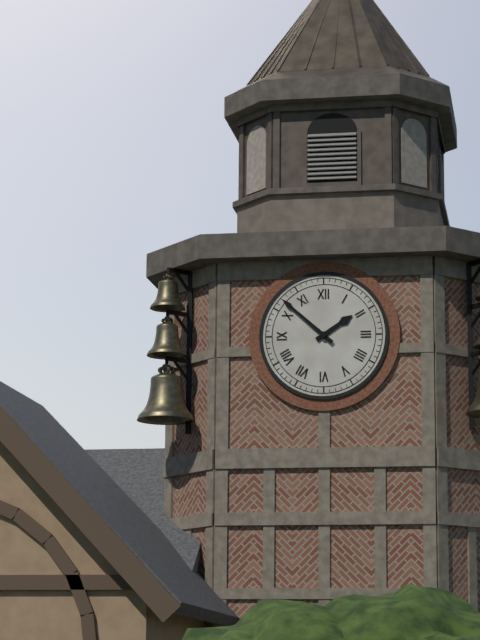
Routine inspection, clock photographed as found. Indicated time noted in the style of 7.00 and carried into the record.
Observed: 1.52
